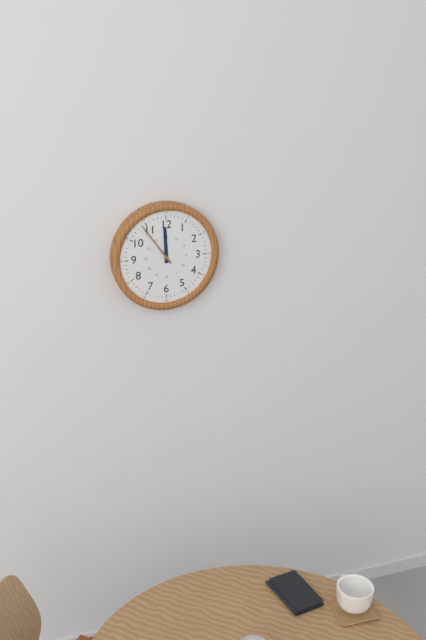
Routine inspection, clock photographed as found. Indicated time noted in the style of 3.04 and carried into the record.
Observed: 11.54
